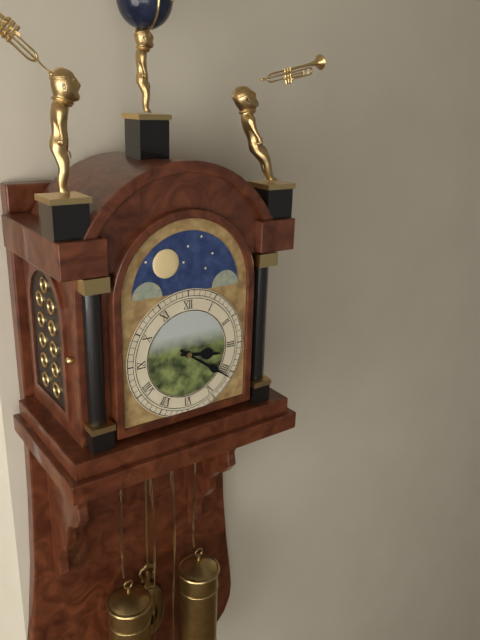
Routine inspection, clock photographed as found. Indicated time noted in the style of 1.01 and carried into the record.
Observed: 3.21
